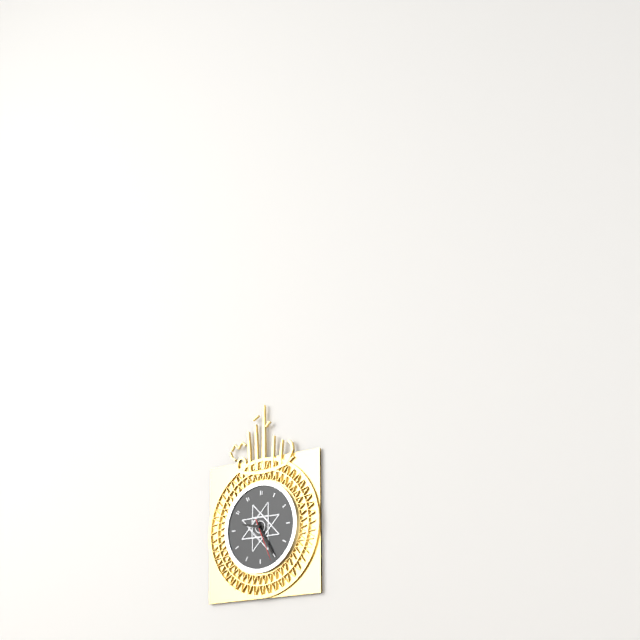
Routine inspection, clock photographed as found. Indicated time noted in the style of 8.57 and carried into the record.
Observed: 9.25
